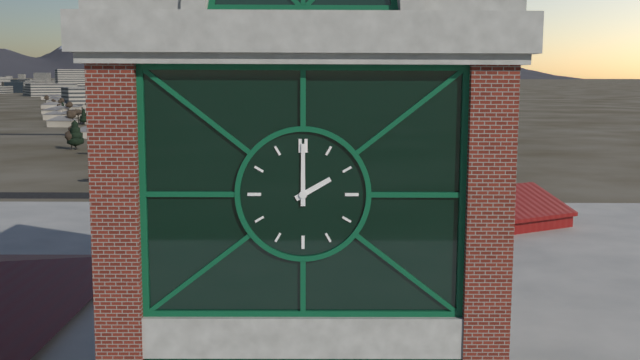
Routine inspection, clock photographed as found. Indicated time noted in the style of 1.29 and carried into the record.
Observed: 2.00
